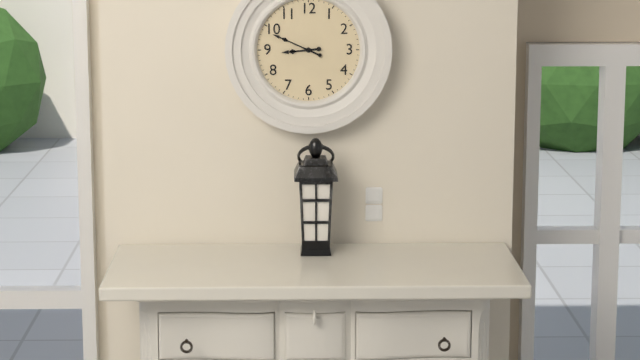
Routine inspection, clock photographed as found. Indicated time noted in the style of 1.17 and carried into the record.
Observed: 8.49
